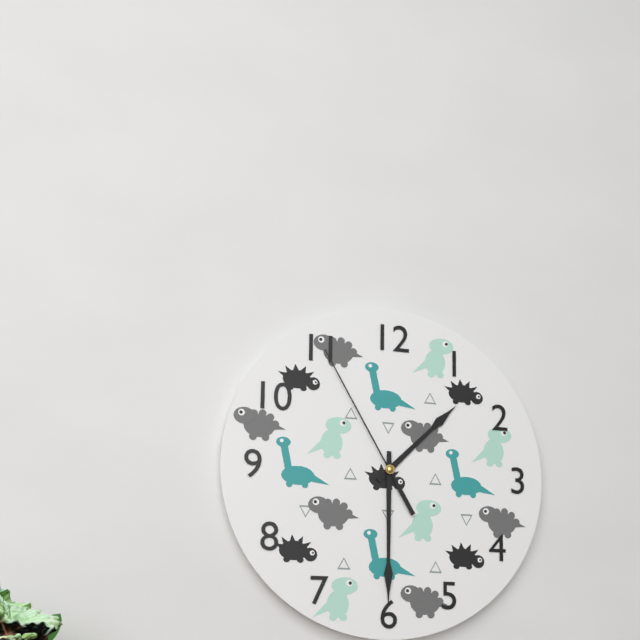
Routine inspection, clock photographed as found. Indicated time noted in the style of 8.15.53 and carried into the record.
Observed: 1.30.55
